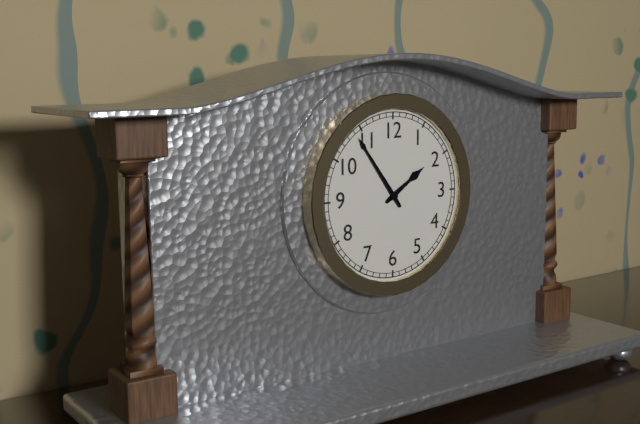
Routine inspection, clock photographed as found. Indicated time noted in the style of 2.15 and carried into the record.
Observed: 1.54
